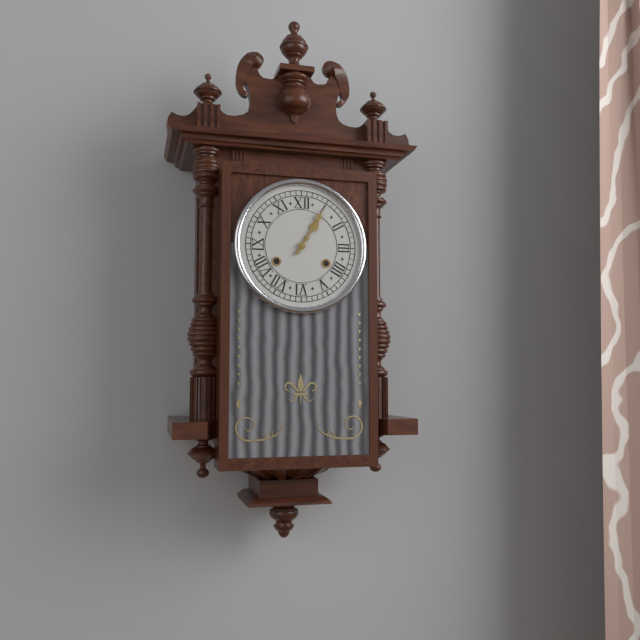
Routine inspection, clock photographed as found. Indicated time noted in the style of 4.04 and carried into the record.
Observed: 1.05
